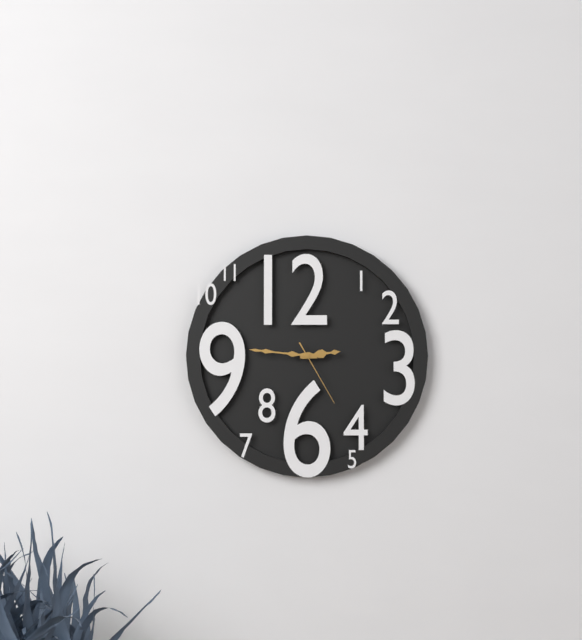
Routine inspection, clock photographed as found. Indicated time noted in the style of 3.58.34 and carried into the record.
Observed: 2.46.25
